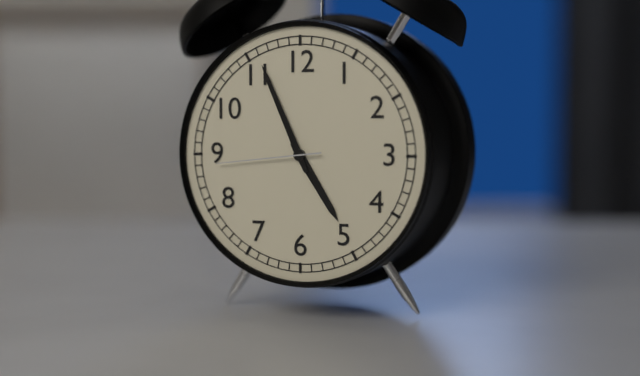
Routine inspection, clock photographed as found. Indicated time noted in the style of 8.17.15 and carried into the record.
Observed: 4.56.44
